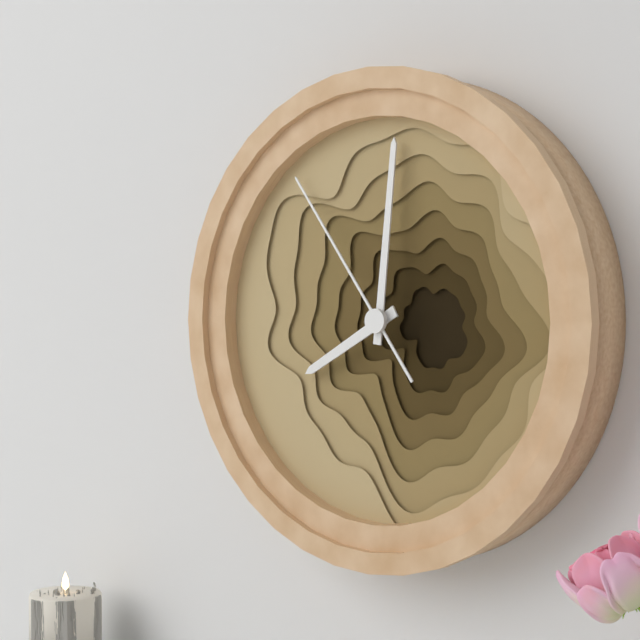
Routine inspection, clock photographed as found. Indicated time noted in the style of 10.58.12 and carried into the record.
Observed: 8.01.54
